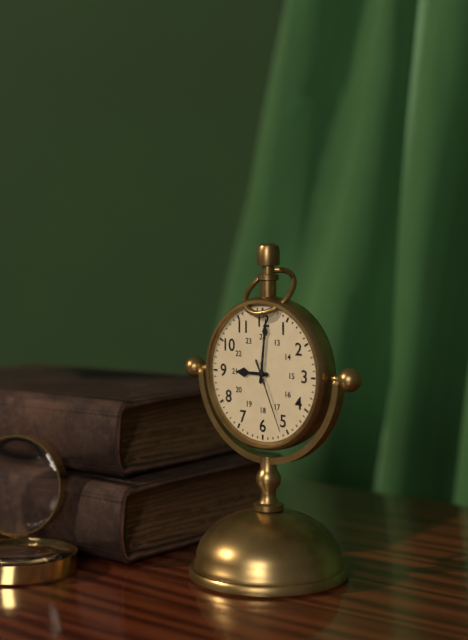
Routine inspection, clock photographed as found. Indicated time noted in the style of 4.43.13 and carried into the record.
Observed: 9.01.26
